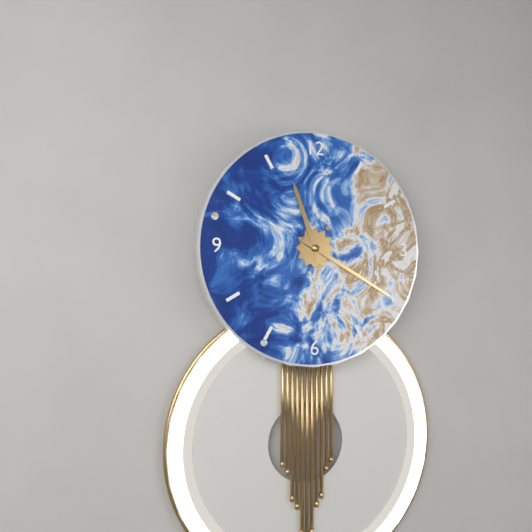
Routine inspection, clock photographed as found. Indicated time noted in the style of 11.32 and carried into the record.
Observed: 11.20
